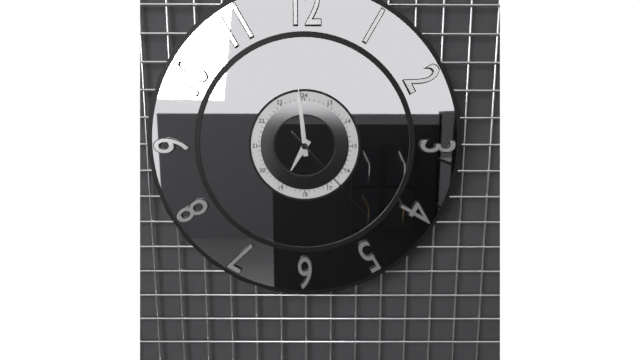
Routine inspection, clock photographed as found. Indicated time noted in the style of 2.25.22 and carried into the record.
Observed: 6.59.23
